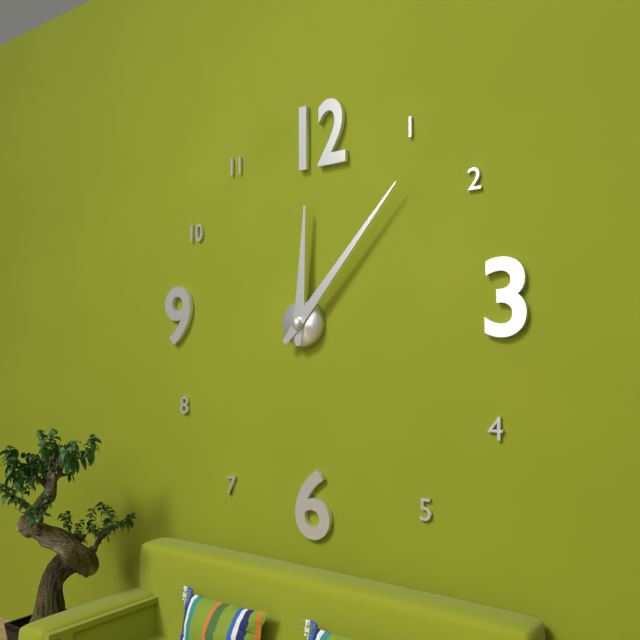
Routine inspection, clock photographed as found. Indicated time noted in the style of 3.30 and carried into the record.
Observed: 12.07
